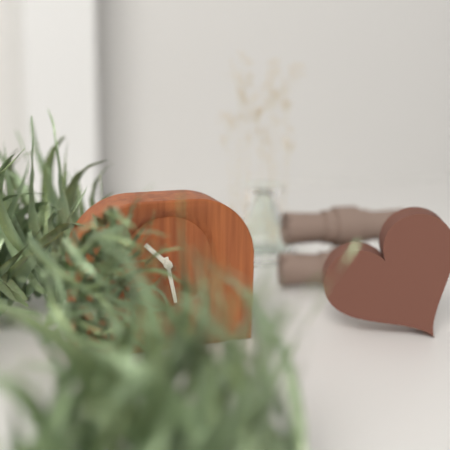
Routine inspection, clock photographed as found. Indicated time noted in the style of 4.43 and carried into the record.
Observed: 10.28
